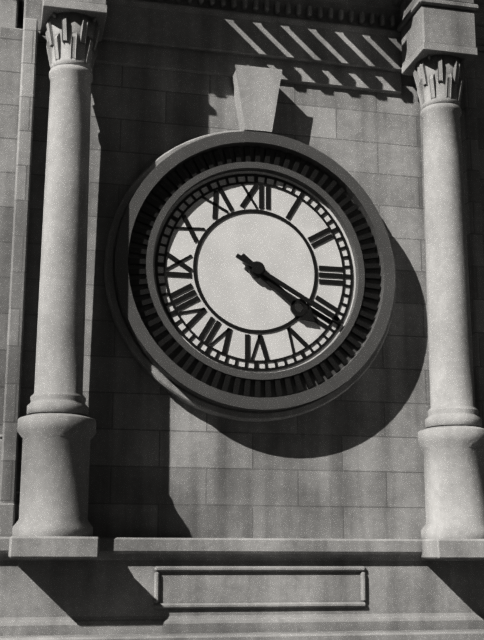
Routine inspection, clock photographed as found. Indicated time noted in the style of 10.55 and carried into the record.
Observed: 4.20
